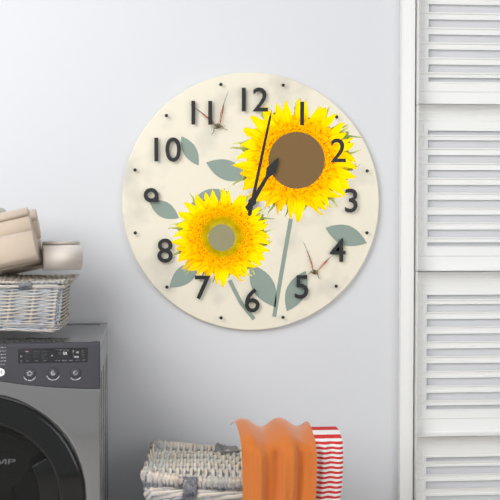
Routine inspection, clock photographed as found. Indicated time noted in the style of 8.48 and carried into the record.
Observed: 1.02
